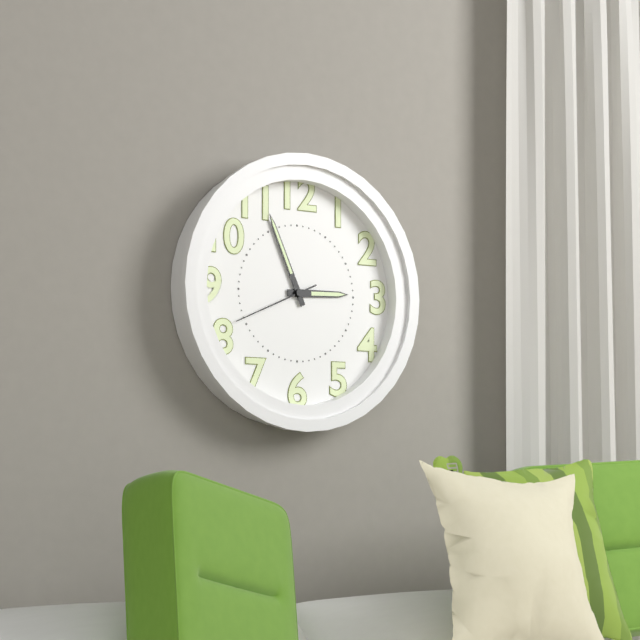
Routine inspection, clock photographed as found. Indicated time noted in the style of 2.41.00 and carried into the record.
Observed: 2.56.41
